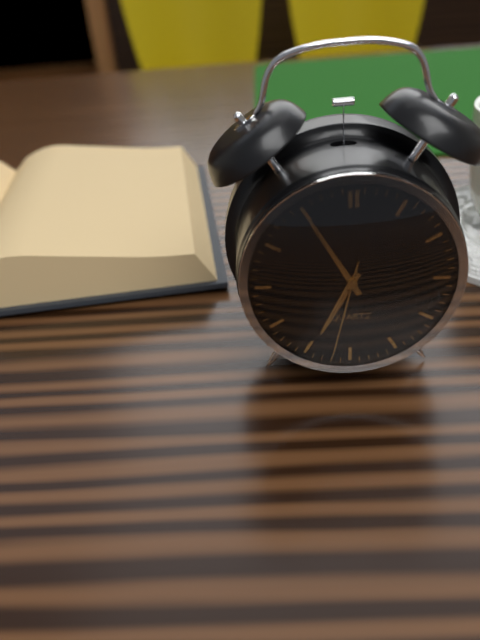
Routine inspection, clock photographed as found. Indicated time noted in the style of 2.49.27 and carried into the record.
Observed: 6.55.32
